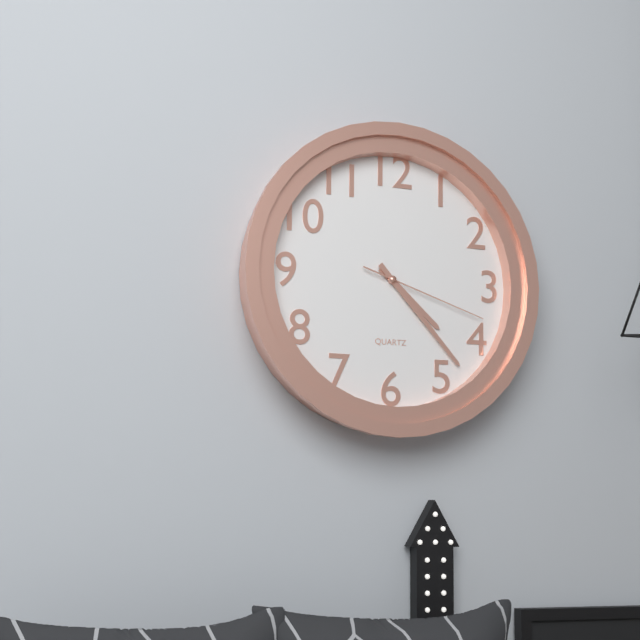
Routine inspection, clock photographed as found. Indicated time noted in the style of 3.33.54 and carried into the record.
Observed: 4.23.18
